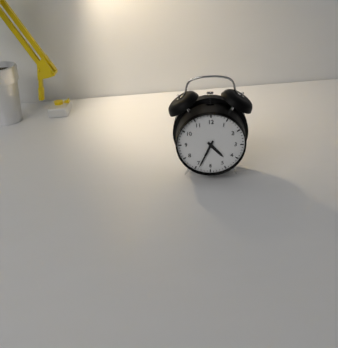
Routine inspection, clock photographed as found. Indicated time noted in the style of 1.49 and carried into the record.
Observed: 4.34
